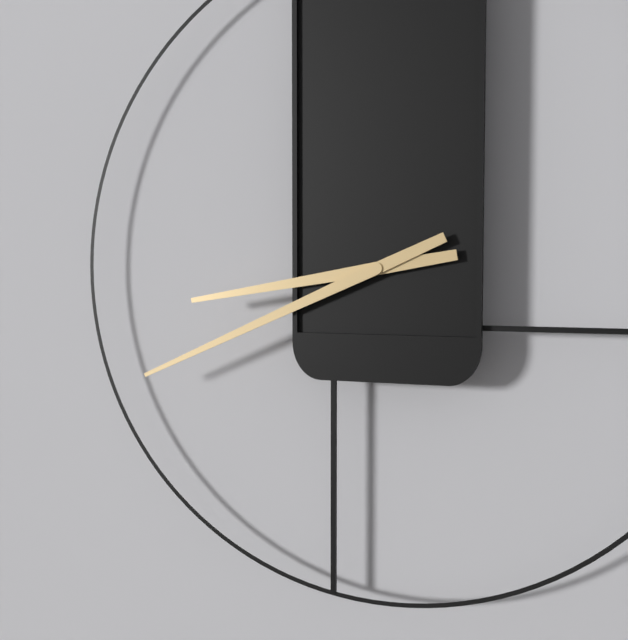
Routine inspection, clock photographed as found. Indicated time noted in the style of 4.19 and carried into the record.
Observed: 8.41
